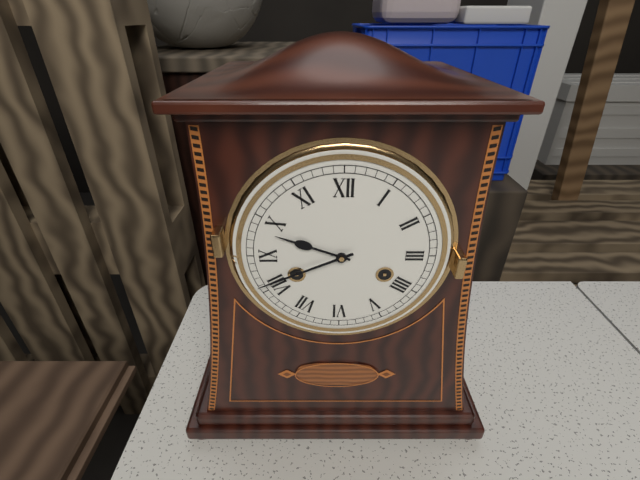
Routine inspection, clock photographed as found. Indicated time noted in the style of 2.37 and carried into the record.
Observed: 9.41
